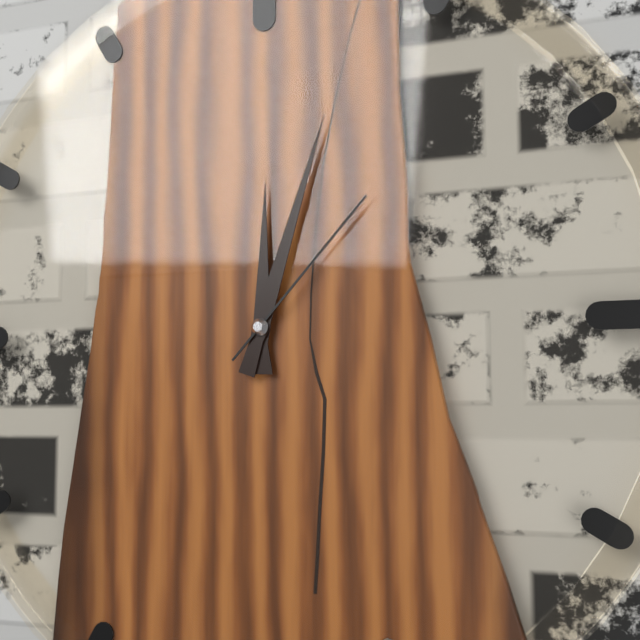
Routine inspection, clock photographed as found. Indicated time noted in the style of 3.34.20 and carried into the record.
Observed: 12.03.07
